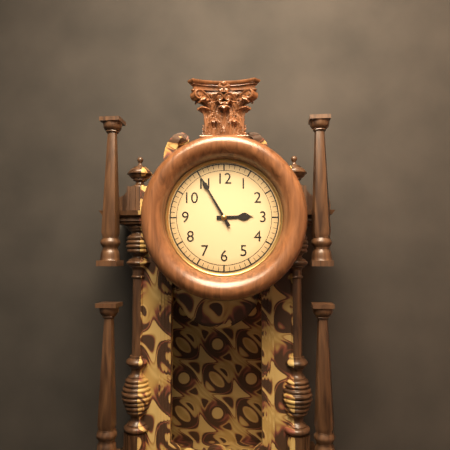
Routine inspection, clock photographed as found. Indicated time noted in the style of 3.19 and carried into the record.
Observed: 2.55
